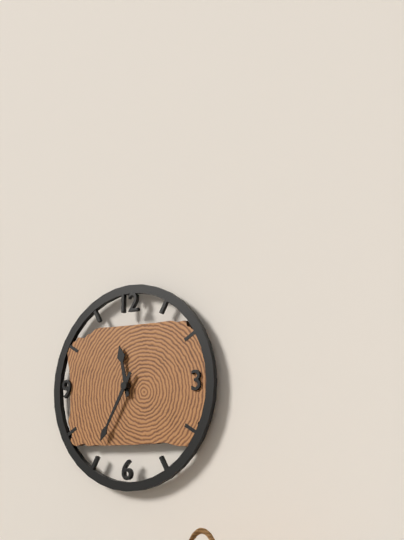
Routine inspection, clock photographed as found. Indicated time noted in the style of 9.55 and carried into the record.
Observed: 11.35
